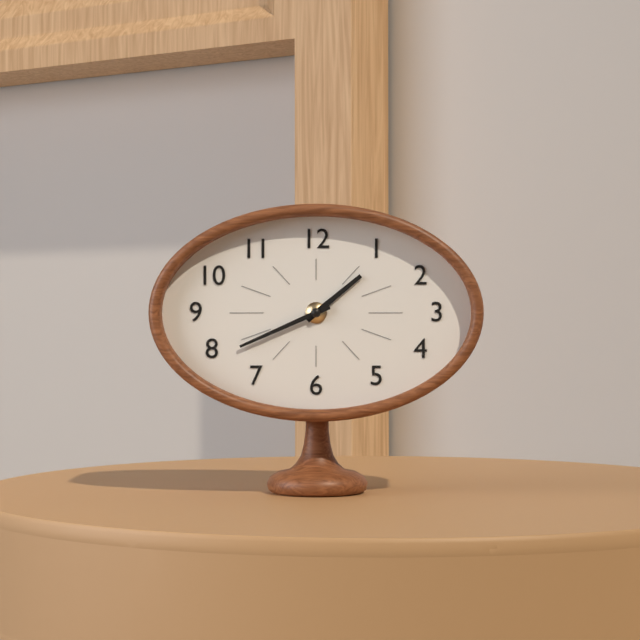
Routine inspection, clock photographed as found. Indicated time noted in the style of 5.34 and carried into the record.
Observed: 1.41
